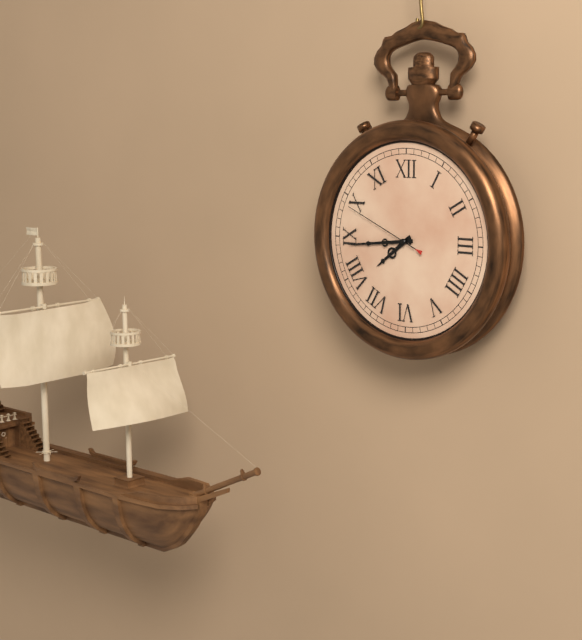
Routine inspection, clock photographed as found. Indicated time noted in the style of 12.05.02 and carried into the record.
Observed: 7.44.49
